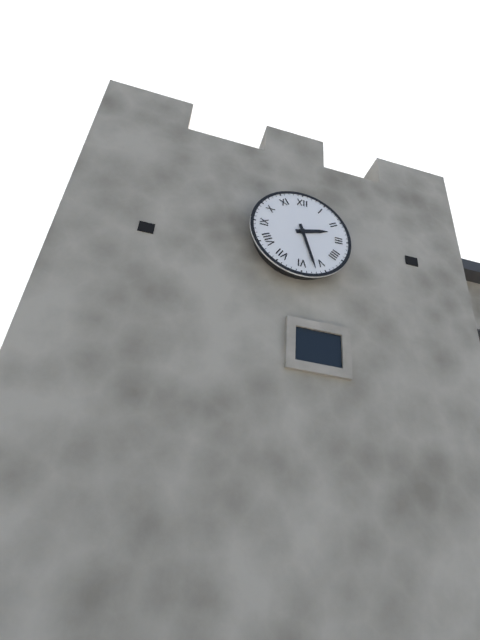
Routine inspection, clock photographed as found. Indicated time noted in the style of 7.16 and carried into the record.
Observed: 2.27
